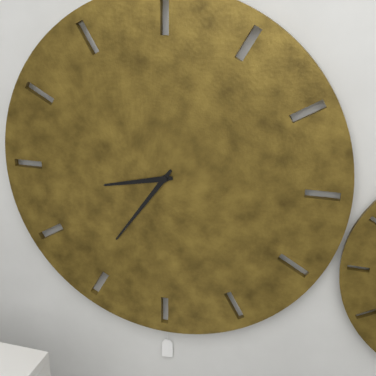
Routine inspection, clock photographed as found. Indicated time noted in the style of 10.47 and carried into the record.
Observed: 8.36
